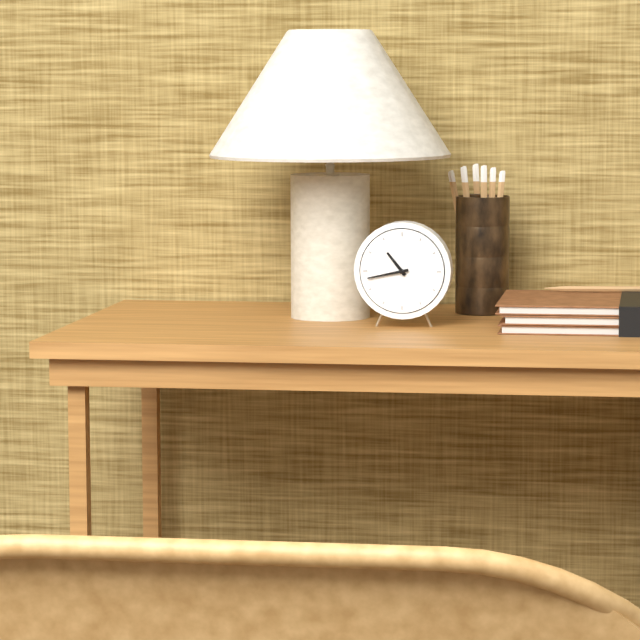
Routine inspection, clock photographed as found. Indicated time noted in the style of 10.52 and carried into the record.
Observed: 10.43
